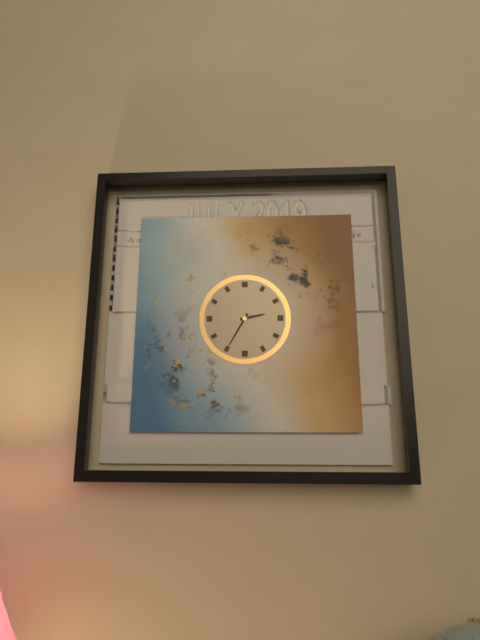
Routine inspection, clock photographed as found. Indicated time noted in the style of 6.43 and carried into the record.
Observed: 2.35
